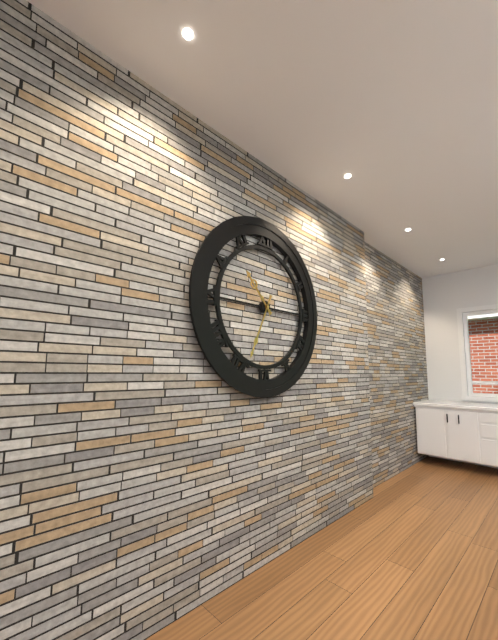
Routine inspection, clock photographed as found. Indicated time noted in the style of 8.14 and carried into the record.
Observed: 10.34
